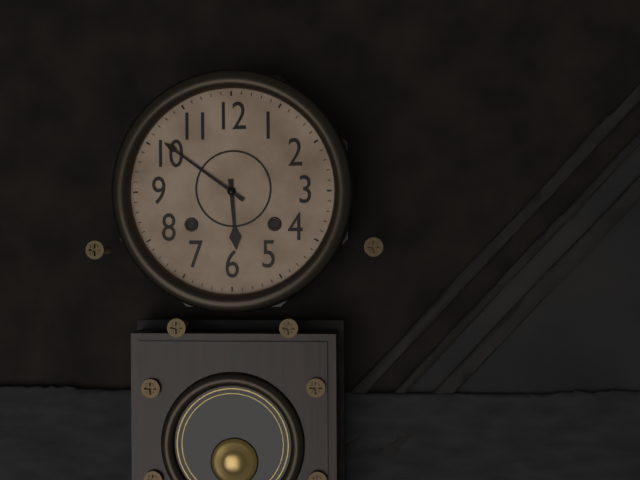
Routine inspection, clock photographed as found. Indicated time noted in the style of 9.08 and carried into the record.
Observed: 5.51
